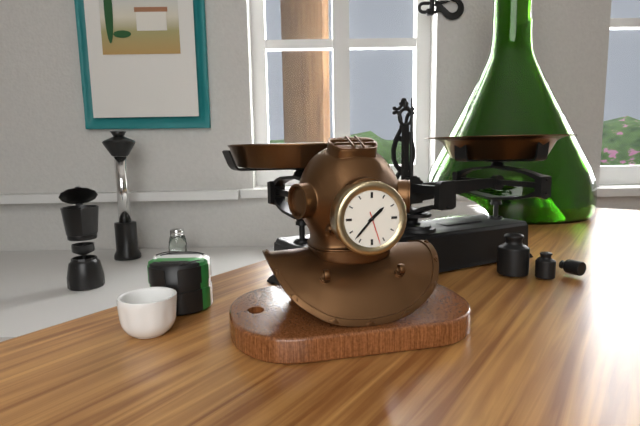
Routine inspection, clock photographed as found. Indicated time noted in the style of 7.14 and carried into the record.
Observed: 1.37
